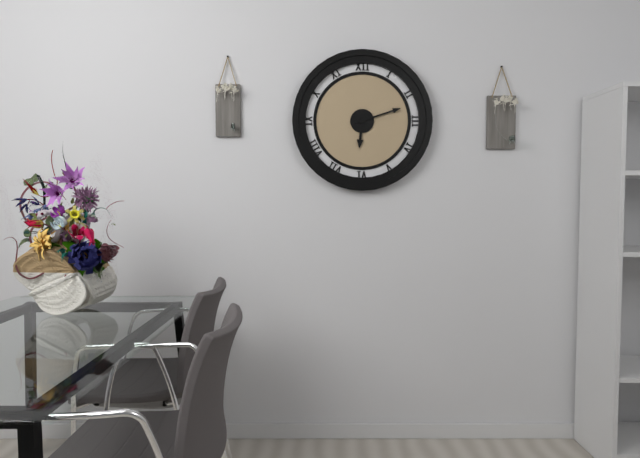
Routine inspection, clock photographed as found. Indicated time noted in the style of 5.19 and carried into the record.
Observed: 6.12
